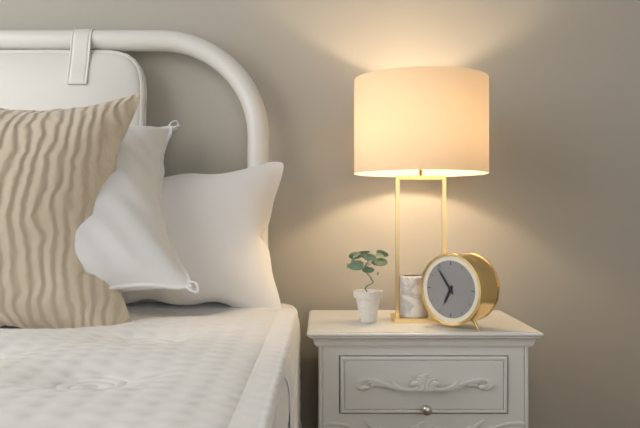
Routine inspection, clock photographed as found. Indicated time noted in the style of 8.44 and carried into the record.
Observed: 6.54
